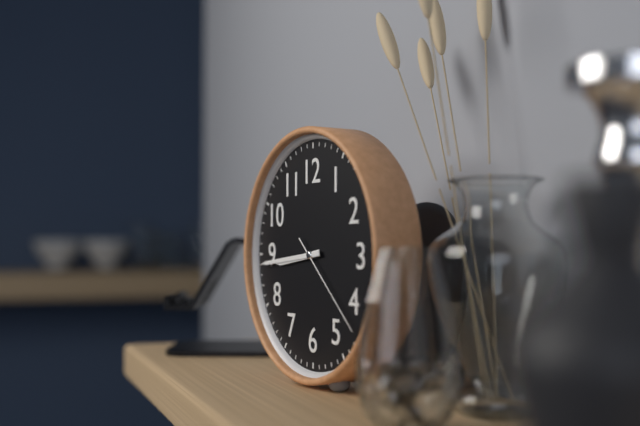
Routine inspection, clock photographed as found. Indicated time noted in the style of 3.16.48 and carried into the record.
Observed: 8.44.22
